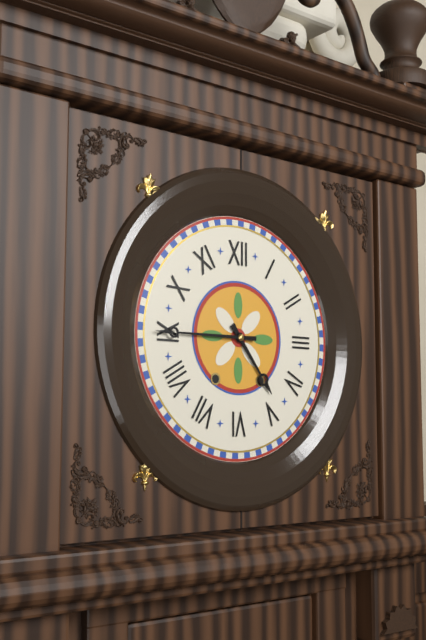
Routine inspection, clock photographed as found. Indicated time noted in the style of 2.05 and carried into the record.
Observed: 4.45
